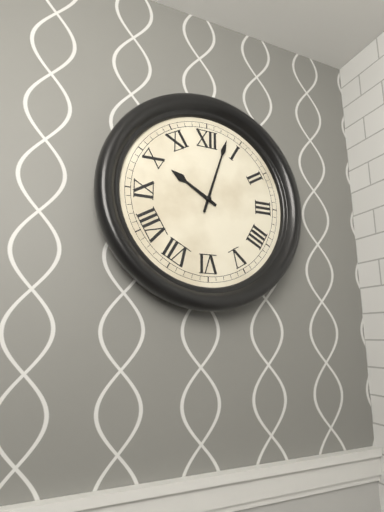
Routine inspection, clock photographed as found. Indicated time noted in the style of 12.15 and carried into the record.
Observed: 10.03
